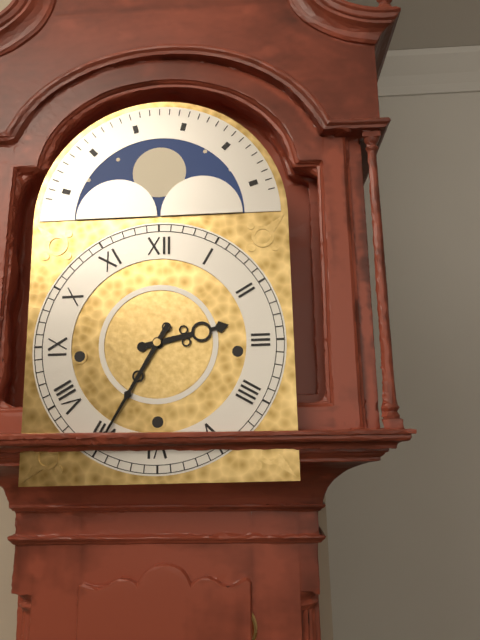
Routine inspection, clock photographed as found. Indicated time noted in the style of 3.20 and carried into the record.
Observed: 2.35
